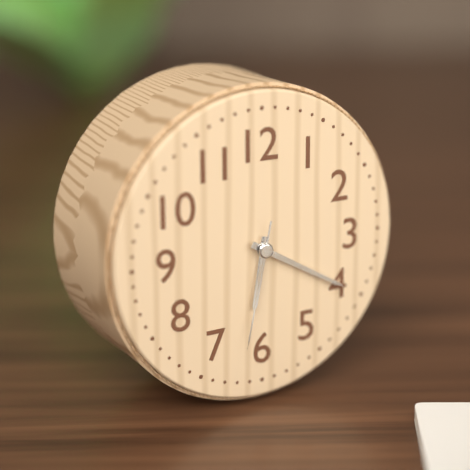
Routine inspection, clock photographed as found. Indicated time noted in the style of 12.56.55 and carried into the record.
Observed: 6.20.32
